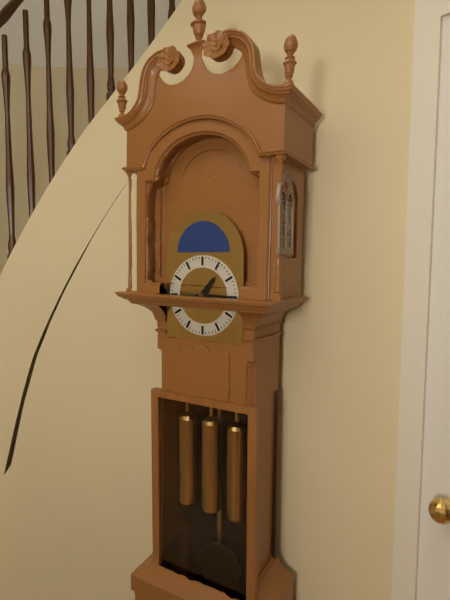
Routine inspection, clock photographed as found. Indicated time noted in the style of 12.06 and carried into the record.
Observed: 1.15
